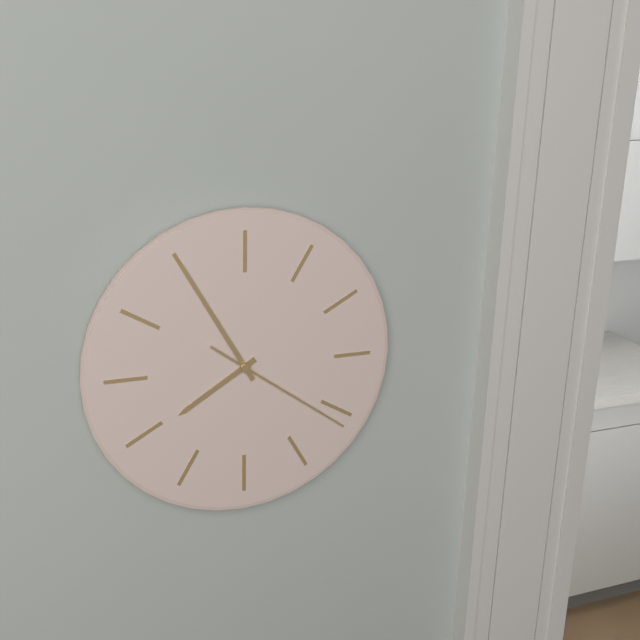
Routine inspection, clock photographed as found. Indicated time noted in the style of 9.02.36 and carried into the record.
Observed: 7.55.21
